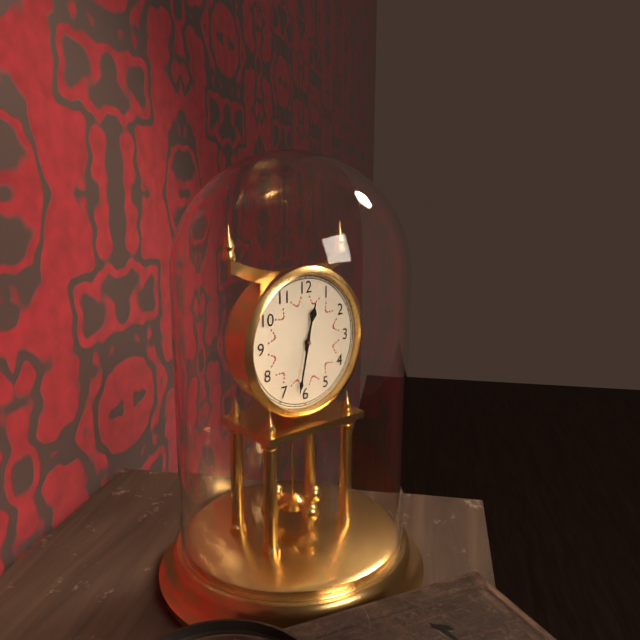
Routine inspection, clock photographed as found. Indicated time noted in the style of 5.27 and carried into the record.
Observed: 12.32
